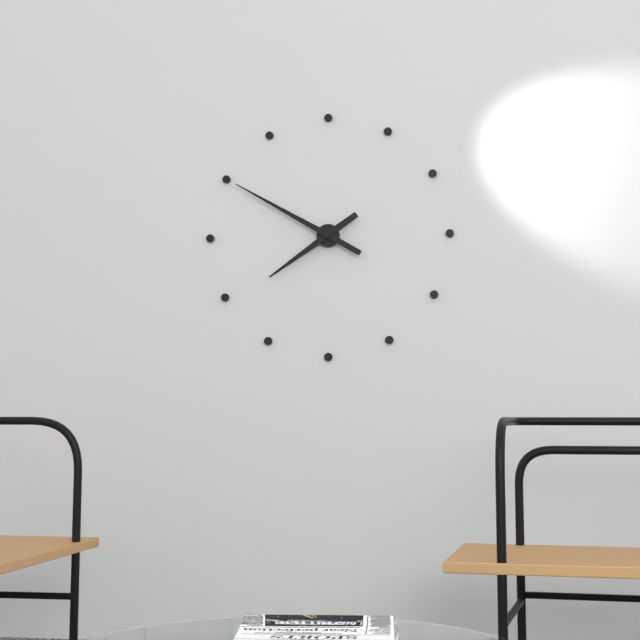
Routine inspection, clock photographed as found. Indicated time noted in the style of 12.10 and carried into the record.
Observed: 7.50
